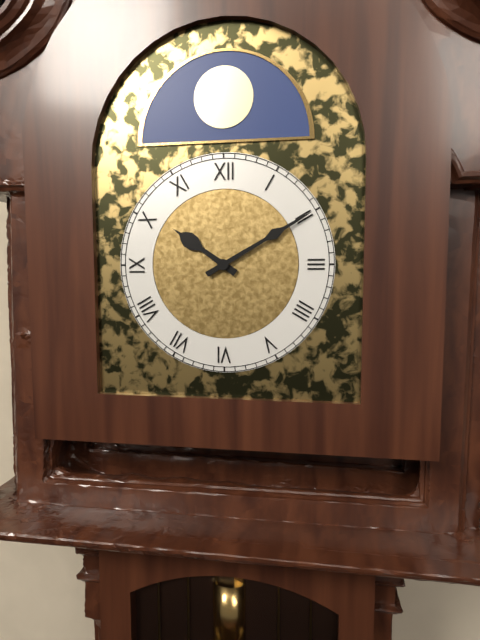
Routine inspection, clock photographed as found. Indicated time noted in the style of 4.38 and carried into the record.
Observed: 10.10
